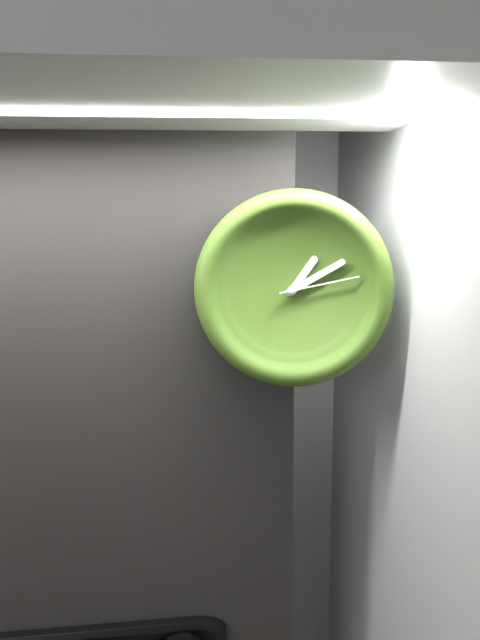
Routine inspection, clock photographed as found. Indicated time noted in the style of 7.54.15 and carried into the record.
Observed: 1.10.13
